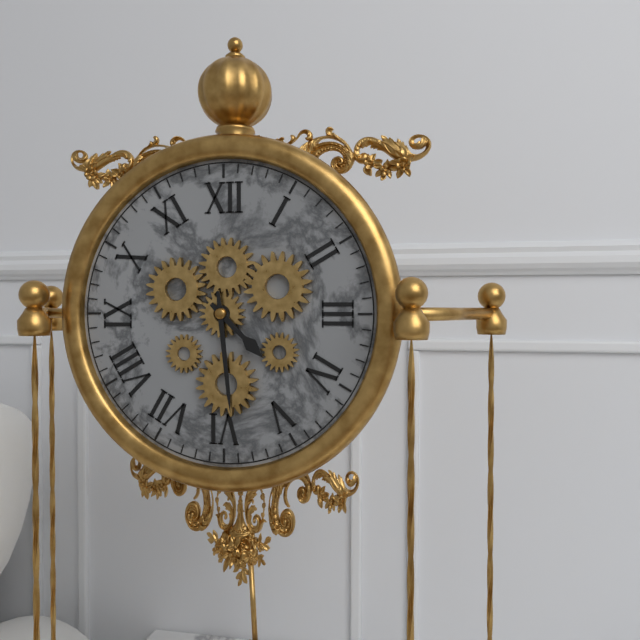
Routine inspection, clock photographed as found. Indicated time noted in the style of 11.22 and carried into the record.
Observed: 4.29
